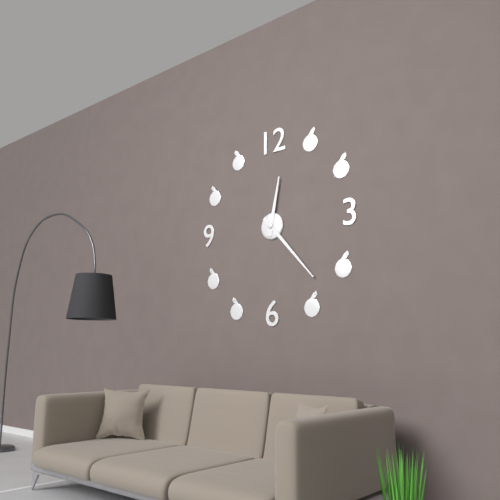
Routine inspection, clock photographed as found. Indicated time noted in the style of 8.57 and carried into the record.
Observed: 12.23
